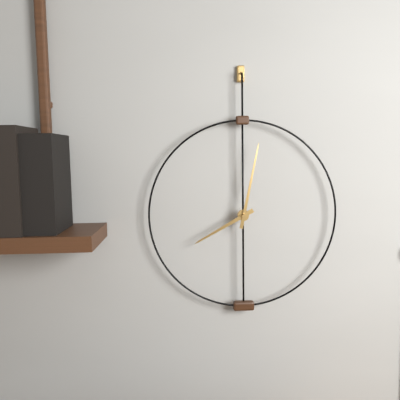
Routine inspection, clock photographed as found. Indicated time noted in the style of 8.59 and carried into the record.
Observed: 8.02
